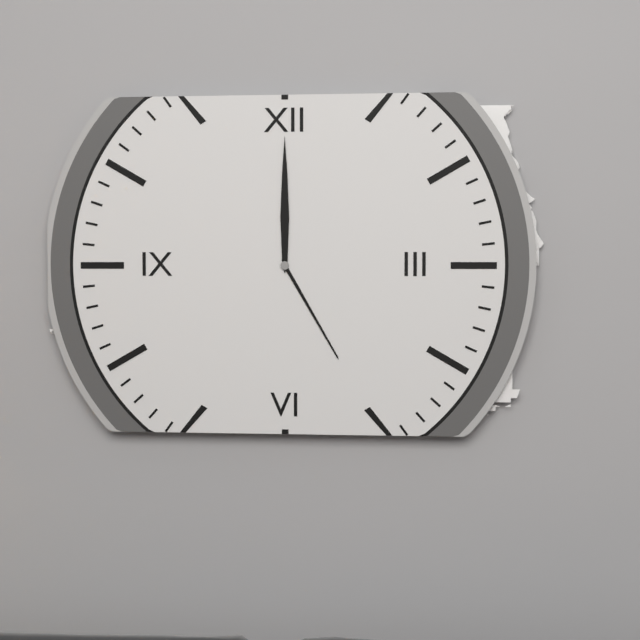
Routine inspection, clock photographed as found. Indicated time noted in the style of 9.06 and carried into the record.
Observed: 5.00
